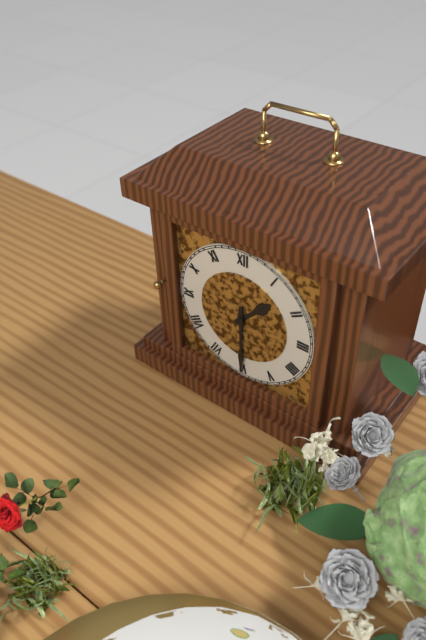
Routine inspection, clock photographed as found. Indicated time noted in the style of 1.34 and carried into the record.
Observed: 1.30
